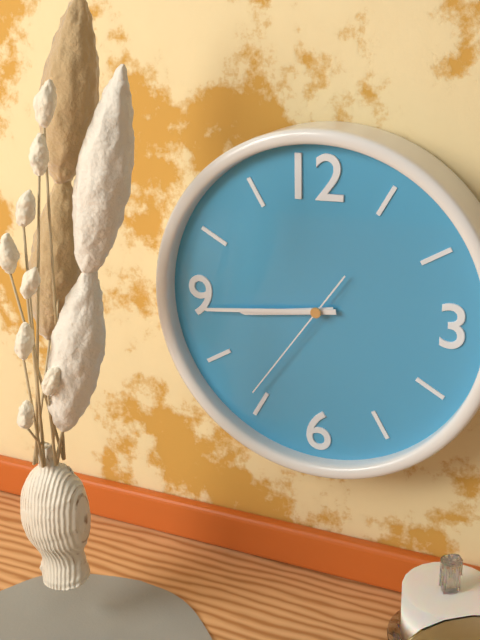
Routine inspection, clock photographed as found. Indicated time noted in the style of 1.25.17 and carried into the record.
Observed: 8.44.36
